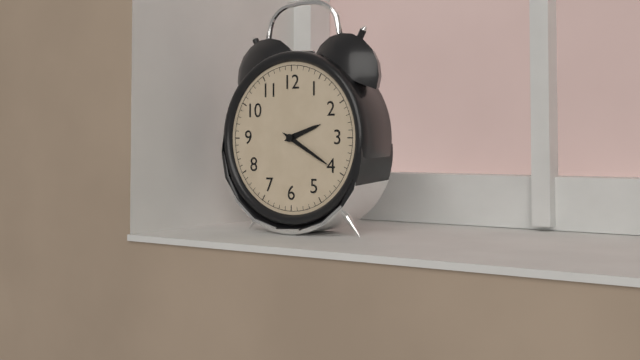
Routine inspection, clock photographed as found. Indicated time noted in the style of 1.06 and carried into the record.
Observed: 2.20
